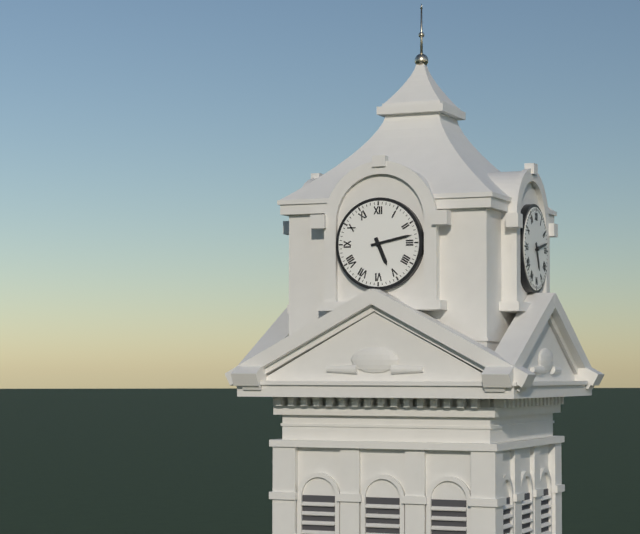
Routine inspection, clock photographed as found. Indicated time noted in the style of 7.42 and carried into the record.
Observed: 5.13
